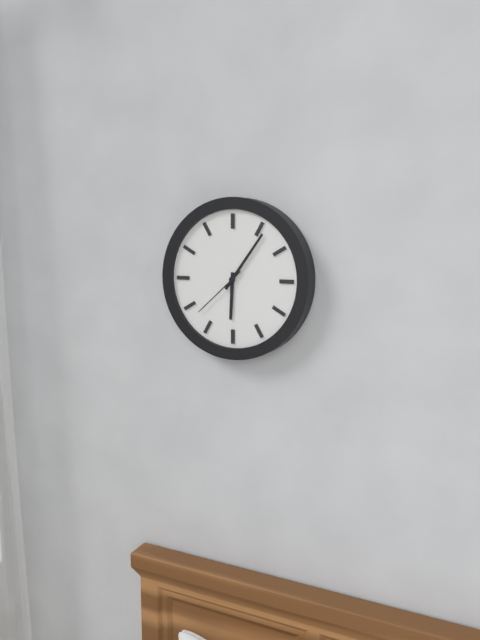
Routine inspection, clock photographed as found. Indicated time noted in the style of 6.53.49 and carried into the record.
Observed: 6.06.38
